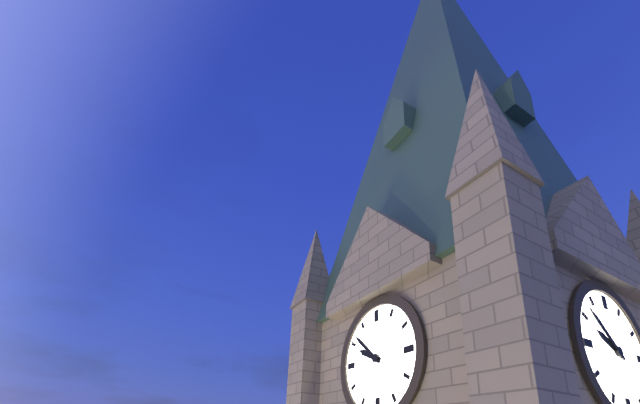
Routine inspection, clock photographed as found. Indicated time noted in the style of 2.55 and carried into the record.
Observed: 9.52
